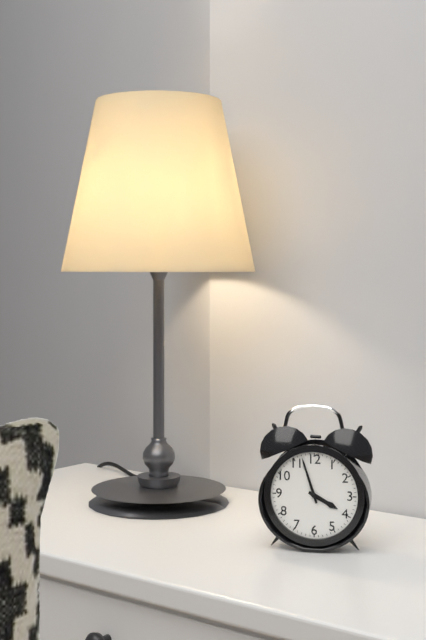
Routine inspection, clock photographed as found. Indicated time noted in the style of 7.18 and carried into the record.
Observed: 3.57
